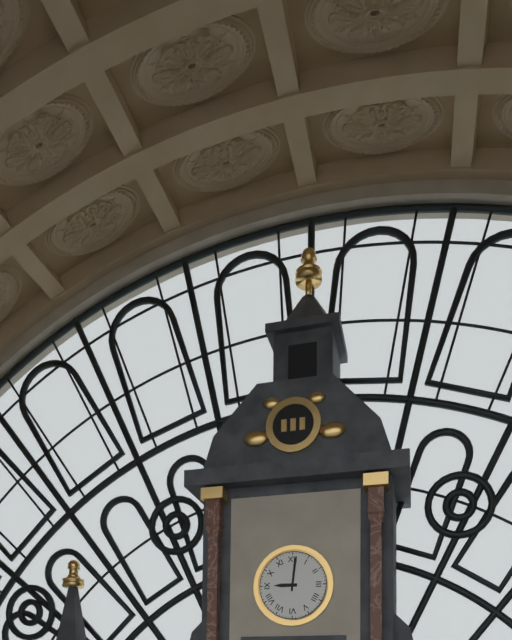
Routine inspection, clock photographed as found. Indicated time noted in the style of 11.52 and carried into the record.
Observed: 9.01
